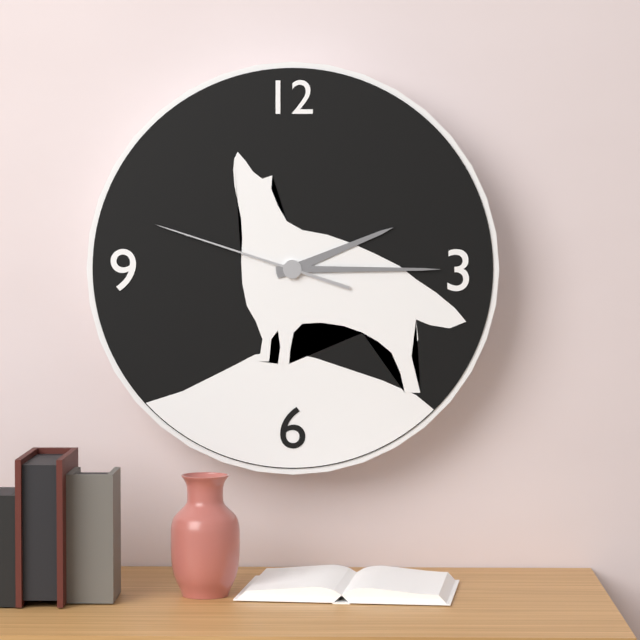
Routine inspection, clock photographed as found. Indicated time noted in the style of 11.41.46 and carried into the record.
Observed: 2.15.48
